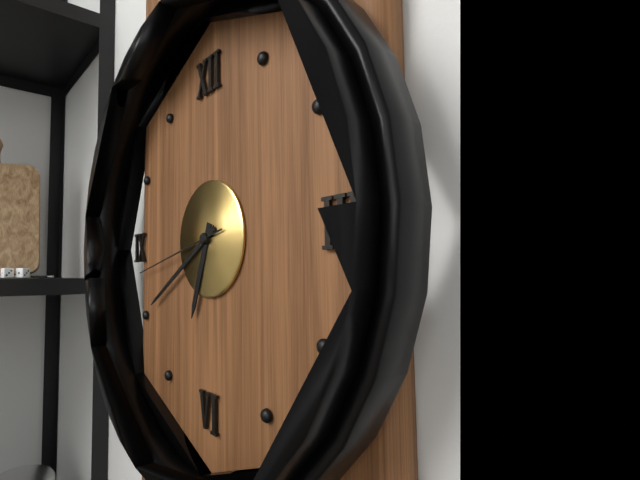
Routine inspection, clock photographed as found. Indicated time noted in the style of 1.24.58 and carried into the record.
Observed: 6.40.43
